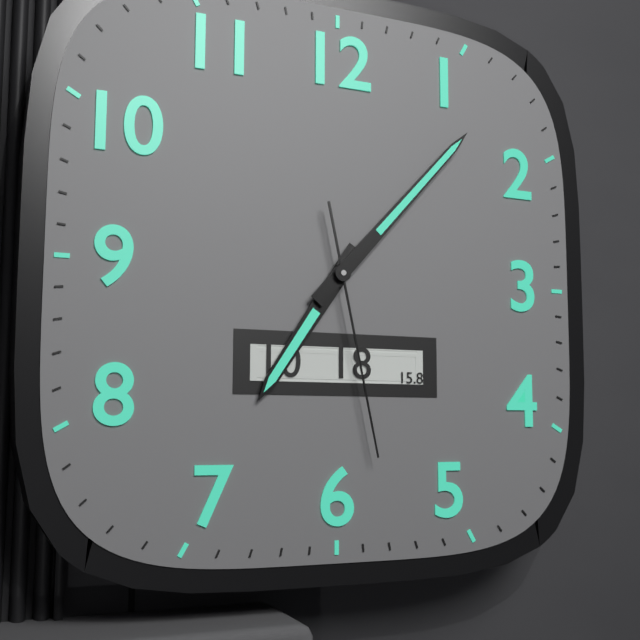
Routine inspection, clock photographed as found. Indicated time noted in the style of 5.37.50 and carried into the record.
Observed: 7.07.28
